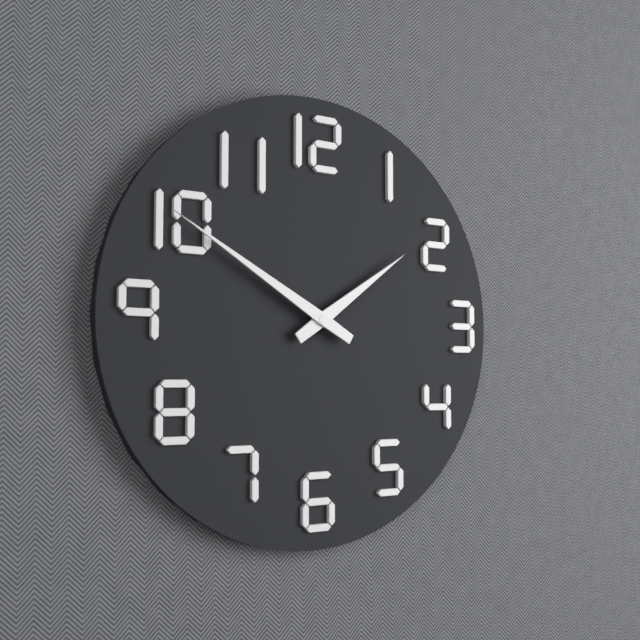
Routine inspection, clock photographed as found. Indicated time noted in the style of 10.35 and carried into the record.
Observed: 1.50
